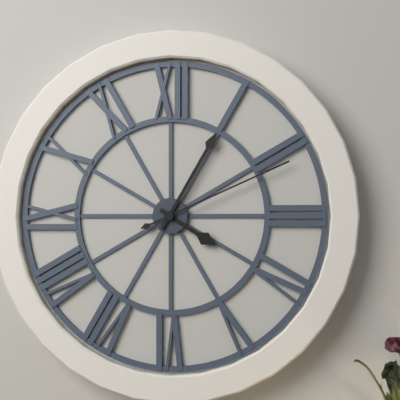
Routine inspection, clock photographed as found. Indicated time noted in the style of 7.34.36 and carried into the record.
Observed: 4.05.11
